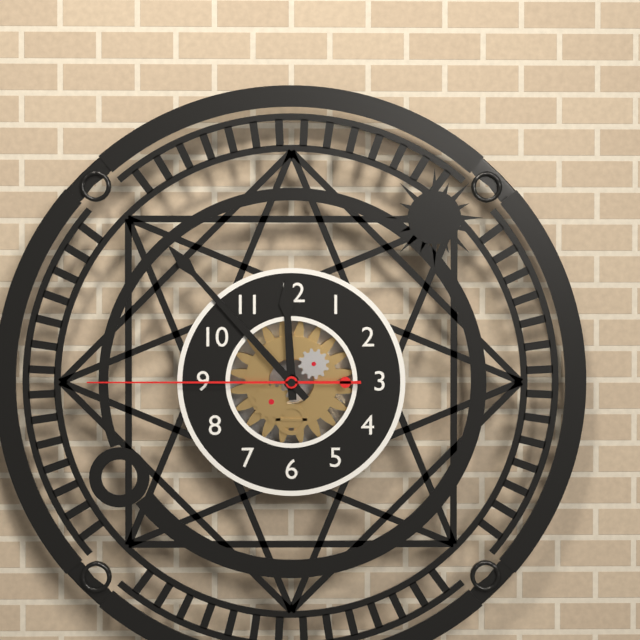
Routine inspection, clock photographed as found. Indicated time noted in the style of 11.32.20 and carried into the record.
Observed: 11.53.45
